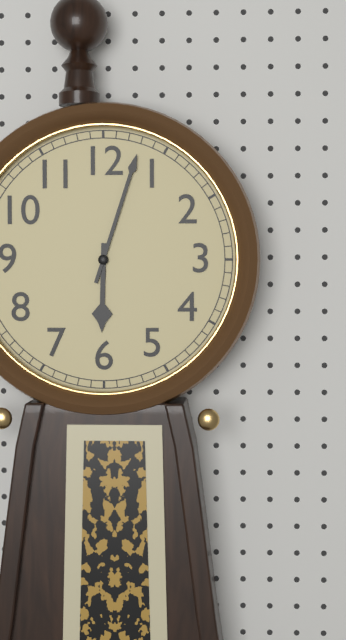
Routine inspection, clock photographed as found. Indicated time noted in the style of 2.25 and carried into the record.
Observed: 6.03
